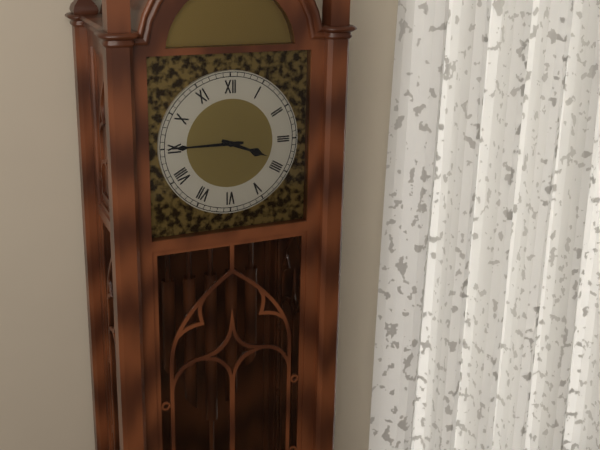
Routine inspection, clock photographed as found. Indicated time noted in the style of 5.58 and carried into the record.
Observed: 3.45
